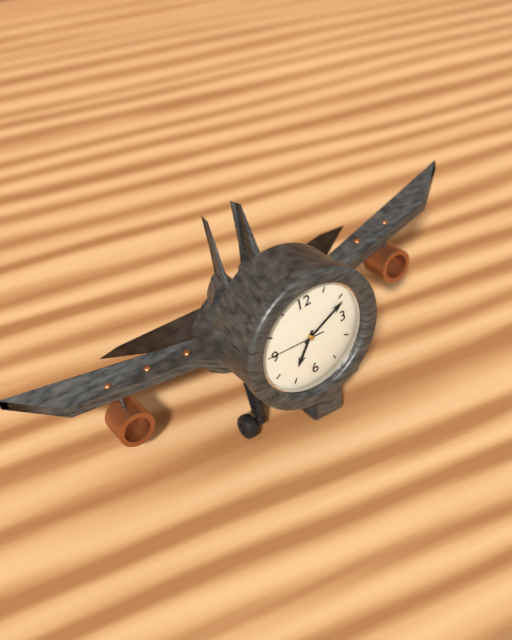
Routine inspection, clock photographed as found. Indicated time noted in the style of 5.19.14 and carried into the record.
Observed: 7.11.46
